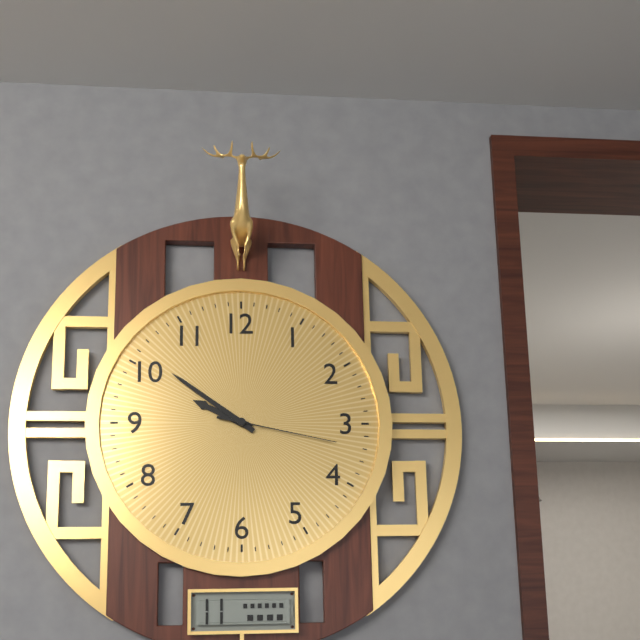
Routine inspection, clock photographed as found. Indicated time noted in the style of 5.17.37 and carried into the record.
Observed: 9.51.17
